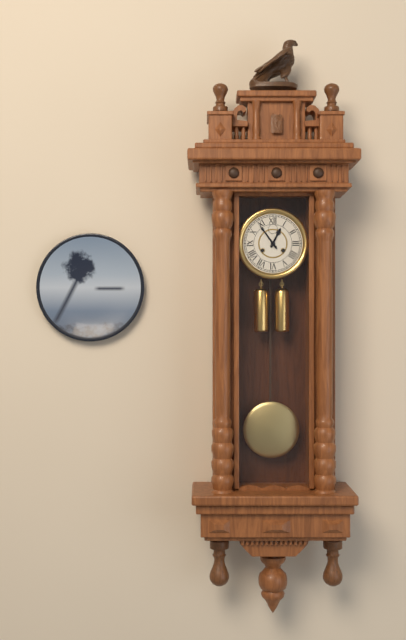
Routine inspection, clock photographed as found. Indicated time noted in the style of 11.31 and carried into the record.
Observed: 12.54
